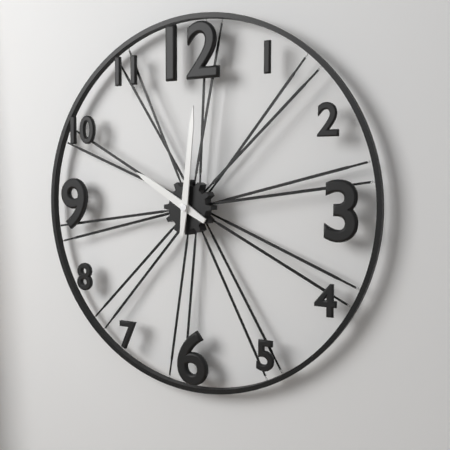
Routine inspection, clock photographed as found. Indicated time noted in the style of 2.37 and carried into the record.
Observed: 10.01
